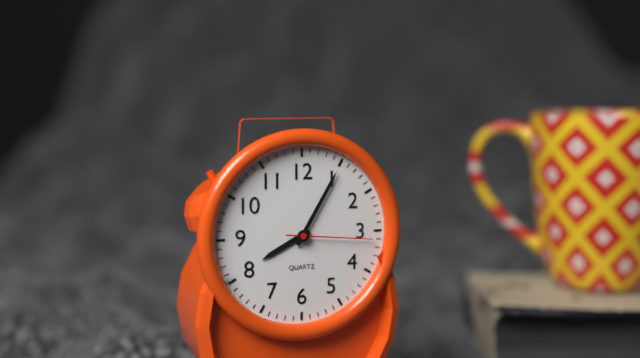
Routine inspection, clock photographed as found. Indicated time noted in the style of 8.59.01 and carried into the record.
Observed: 8.05.16
